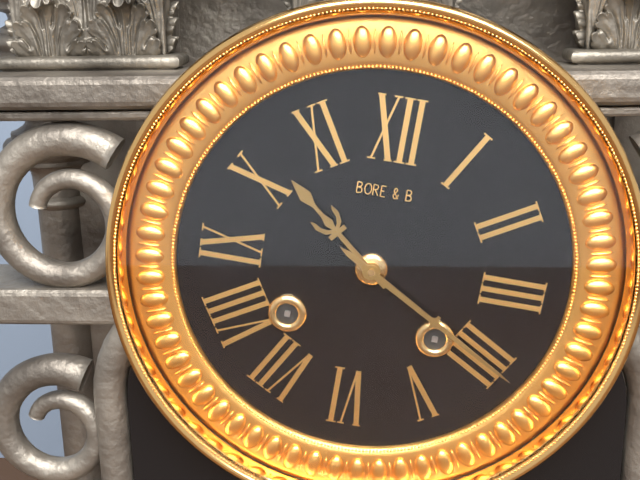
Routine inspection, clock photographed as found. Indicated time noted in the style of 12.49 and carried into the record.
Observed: 10.20
